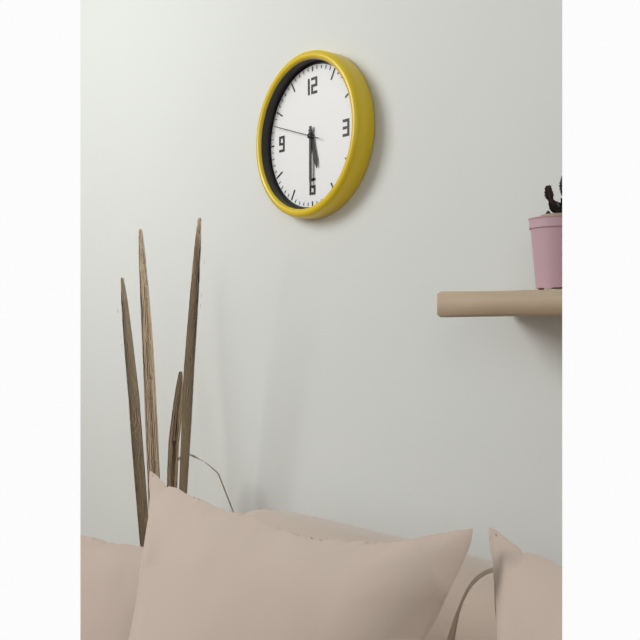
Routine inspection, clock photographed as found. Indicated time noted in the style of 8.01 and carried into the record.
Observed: 5.30
